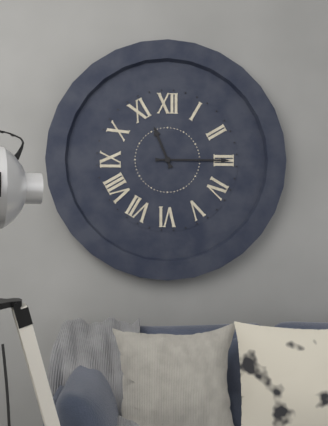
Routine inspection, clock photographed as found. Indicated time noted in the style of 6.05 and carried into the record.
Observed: 11.15
